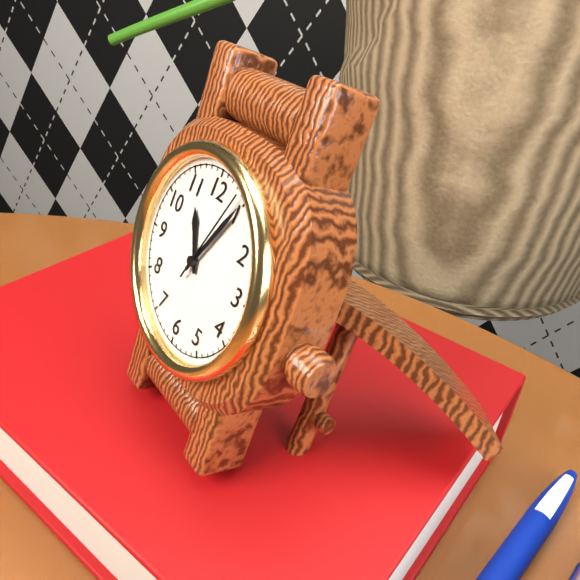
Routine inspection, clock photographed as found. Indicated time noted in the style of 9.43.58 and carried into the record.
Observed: 11.05.04
